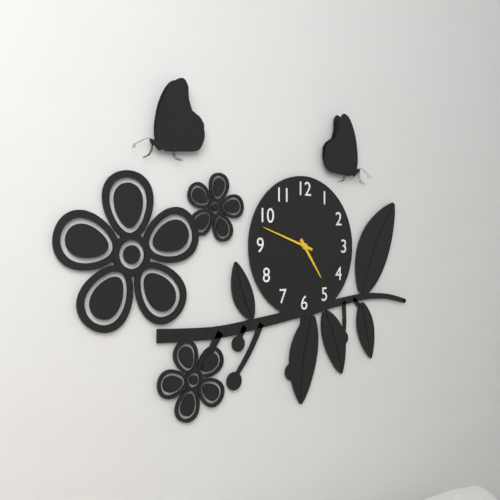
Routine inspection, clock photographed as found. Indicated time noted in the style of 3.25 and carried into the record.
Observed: 4.48
